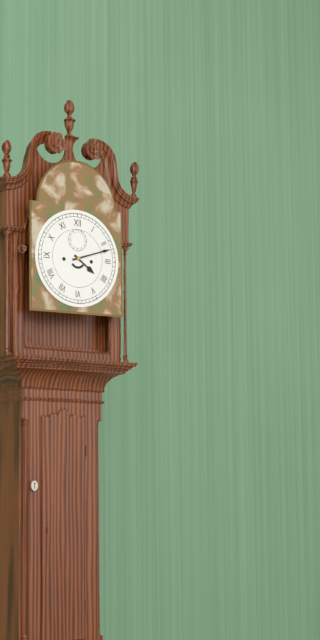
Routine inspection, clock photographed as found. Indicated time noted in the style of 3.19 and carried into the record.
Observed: 4.12
